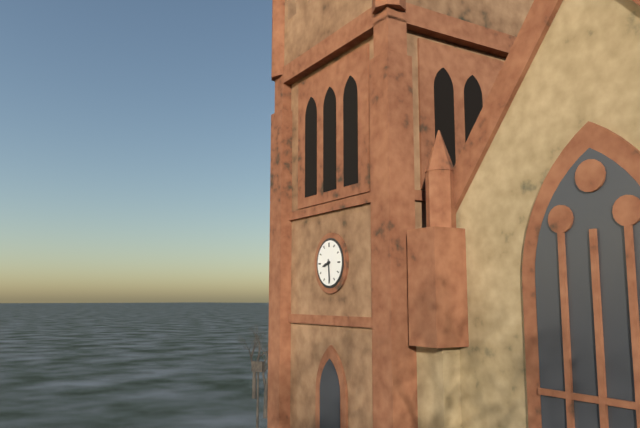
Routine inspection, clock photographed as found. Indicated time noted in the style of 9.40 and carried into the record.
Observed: 8.29
